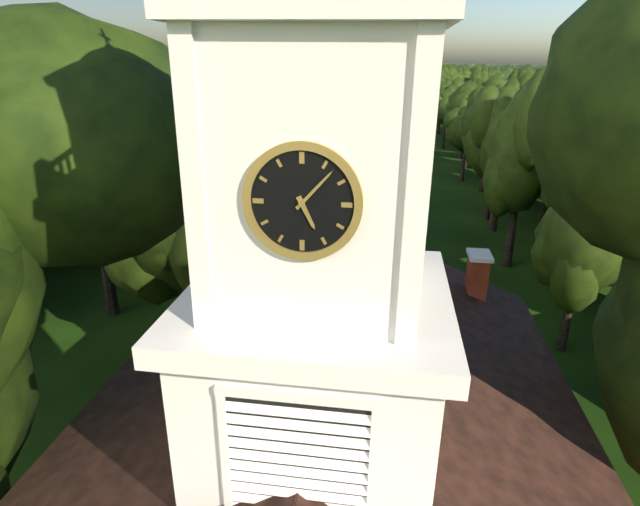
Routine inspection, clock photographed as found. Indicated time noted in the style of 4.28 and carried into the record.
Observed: 5.07
